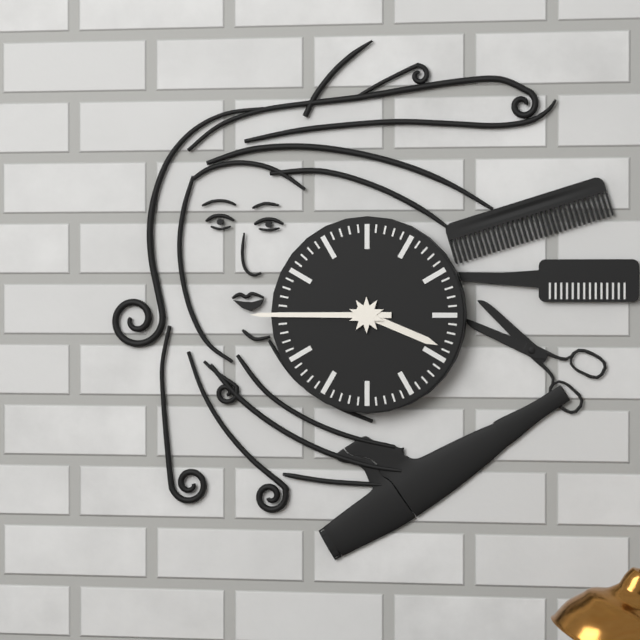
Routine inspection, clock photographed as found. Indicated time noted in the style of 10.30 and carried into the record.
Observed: 3.45
